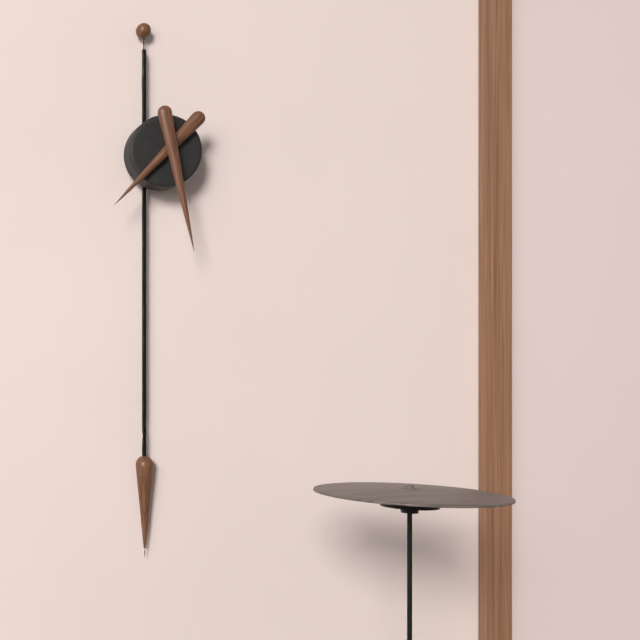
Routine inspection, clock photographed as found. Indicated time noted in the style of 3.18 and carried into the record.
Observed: 7.28
